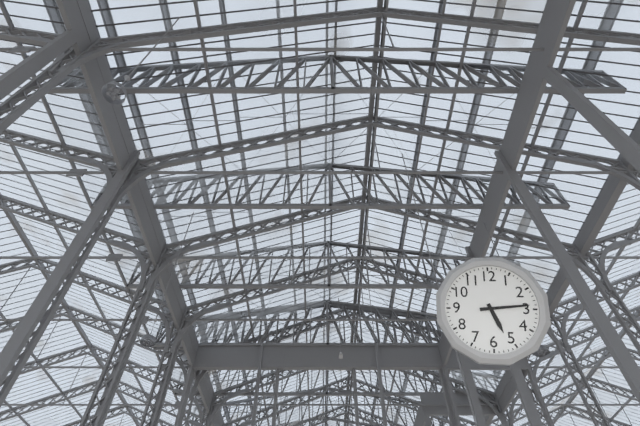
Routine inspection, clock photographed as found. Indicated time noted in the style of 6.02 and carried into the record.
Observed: 5.14
